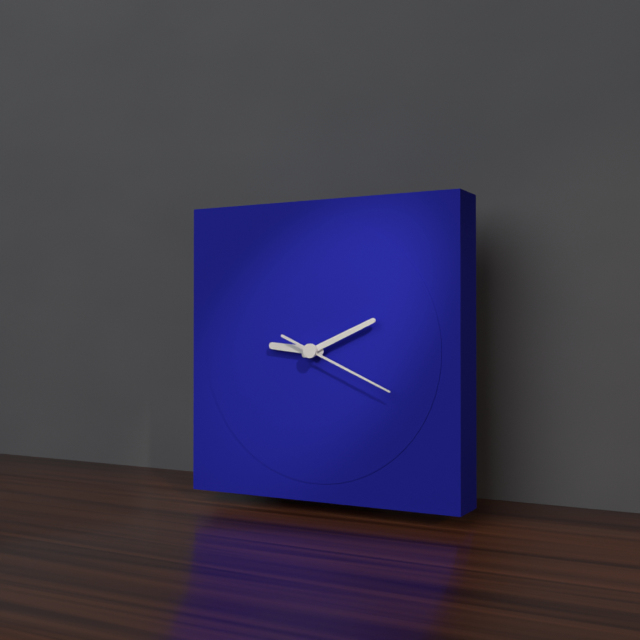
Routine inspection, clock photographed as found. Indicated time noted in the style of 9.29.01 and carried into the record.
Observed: 9.11.19
